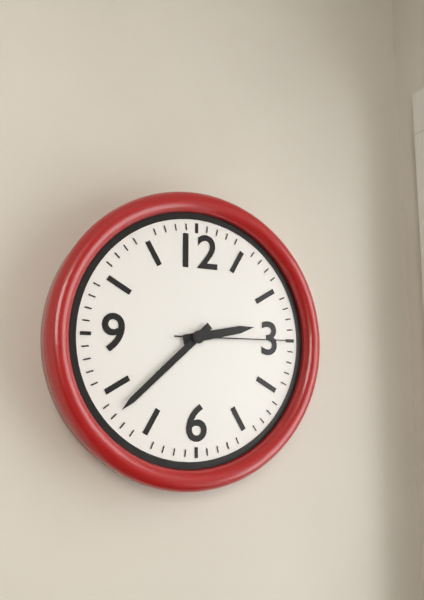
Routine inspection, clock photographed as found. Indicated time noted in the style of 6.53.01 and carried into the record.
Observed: 2.38.15
